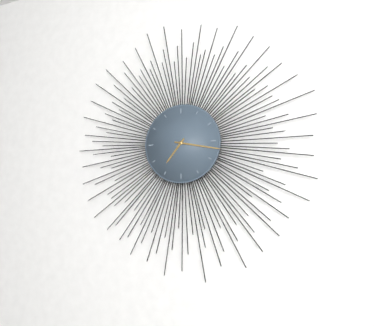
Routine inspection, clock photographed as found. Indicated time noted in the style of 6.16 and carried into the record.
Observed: 7.17
